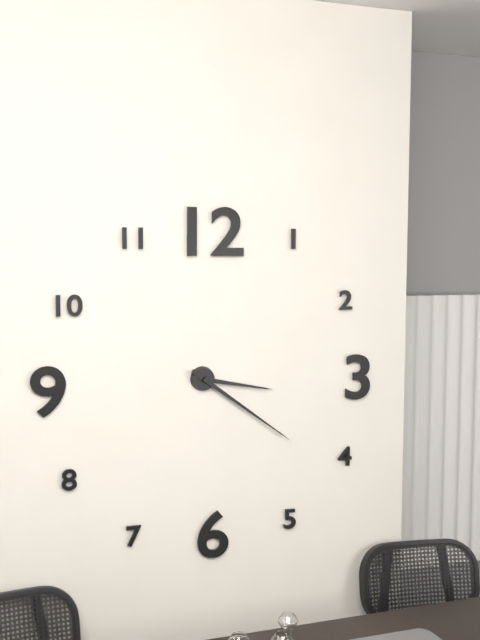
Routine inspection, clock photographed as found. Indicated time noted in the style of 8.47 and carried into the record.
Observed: 3.21
